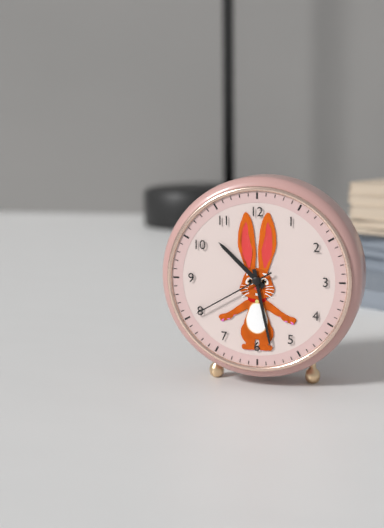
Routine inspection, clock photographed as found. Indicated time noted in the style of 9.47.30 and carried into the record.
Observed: 10.28.40
